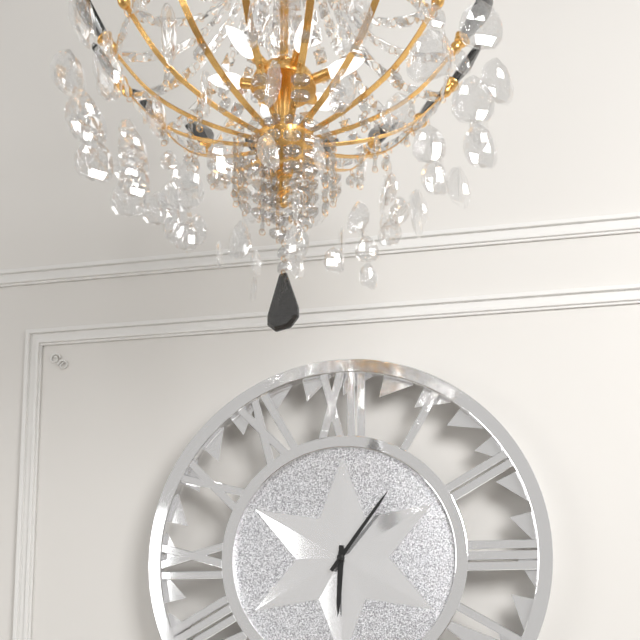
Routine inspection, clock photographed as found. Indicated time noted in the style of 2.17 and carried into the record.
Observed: 6.06
